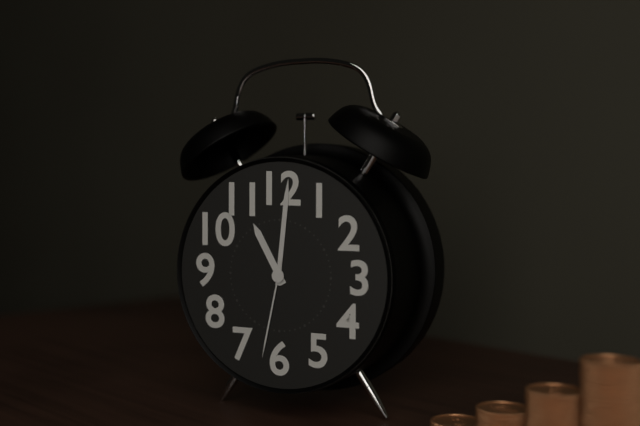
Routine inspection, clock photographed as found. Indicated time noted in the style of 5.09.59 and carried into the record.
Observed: 11.01.32
